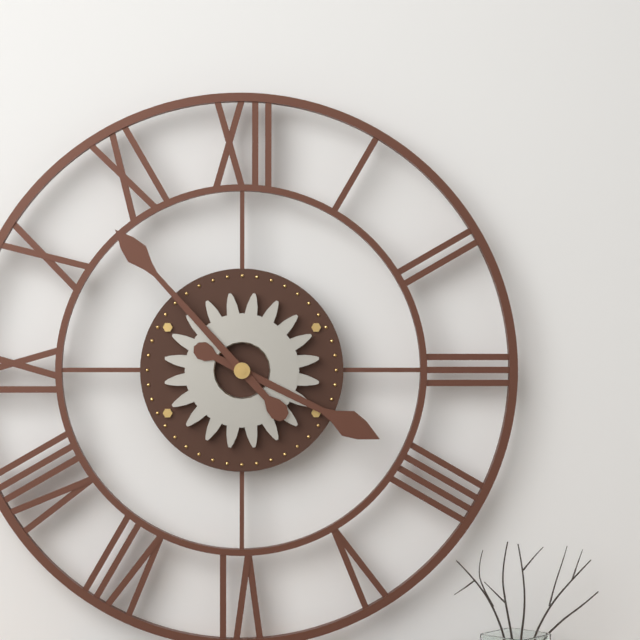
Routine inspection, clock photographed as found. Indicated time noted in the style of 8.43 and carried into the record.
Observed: 3.53
